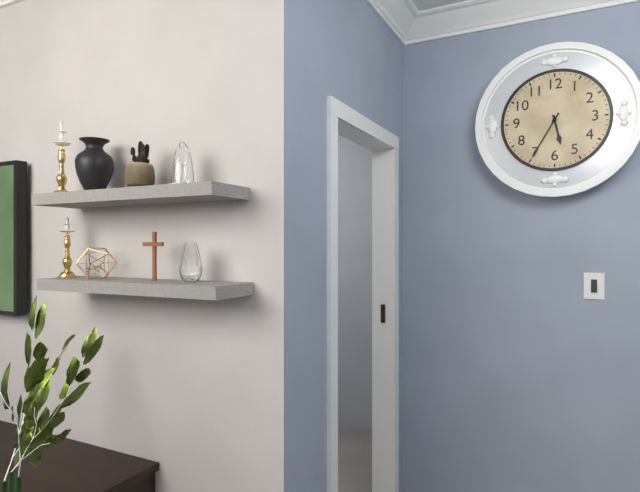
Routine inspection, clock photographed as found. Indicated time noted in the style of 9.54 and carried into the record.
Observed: 5.35
